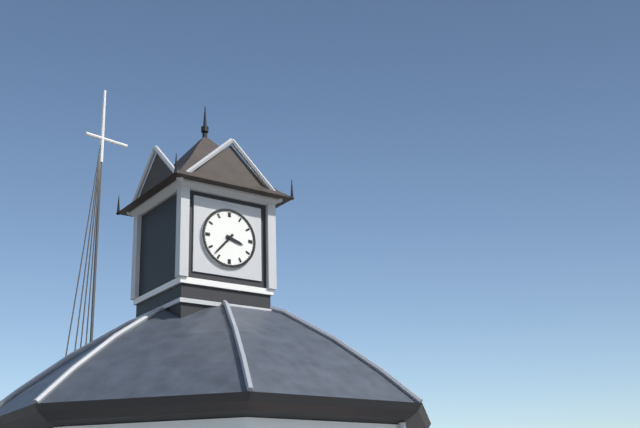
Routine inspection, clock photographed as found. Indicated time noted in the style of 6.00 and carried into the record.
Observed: 3.37
